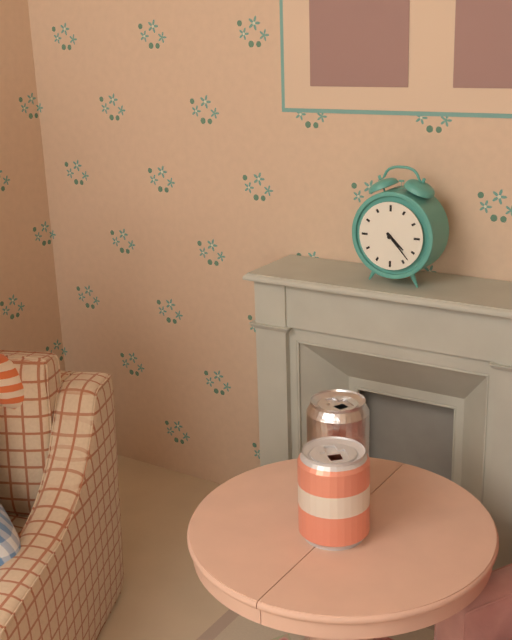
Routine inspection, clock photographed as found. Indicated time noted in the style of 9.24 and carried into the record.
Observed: 4.23
